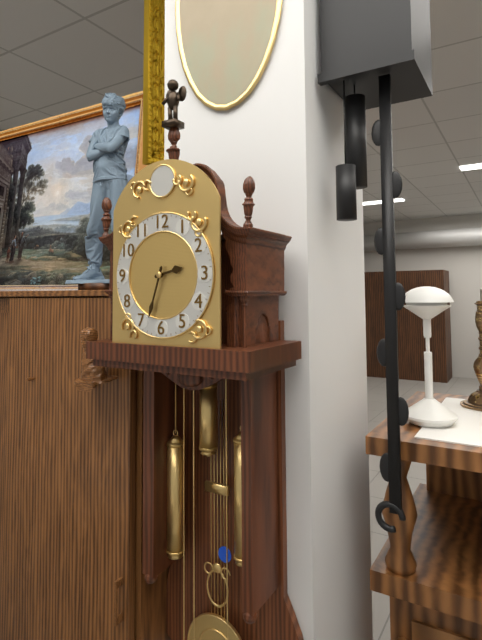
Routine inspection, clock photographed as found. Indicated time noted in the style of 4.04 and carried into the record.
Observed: 2.33
